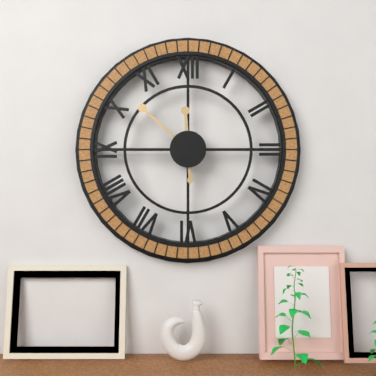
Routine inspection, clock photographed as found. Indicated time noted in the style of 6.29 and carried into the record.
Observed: 11.52
